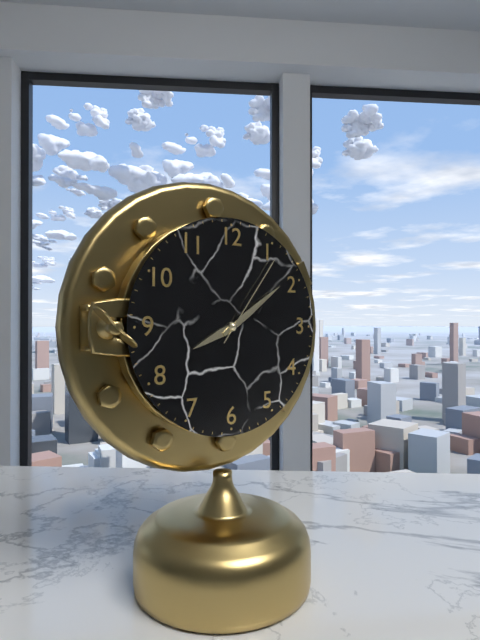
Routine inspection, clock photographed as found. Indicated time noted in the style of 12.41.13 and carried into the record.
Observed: 8.09.06
